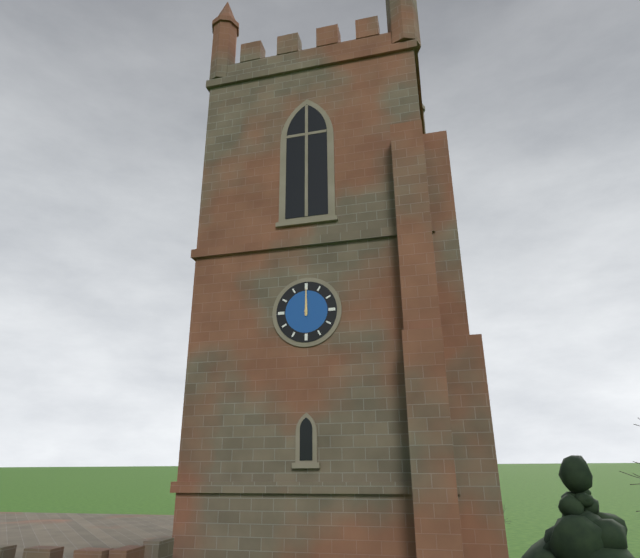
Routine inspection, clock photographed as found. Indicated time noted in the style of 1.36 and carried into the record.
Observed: 12.00
